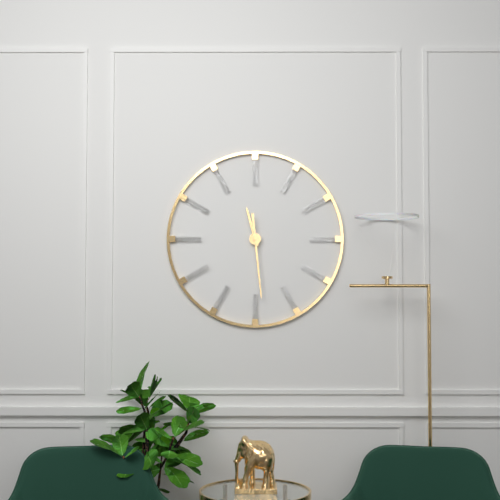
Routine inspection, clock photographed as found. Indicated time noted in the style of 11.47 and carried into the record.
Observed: 11.29
